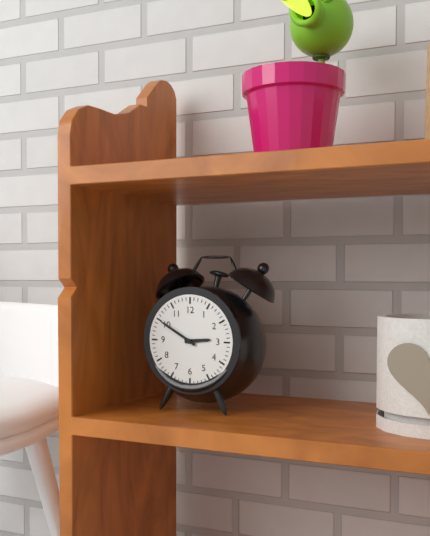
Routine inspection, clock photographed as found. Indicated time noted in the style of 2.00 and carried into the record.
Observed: 2.50
